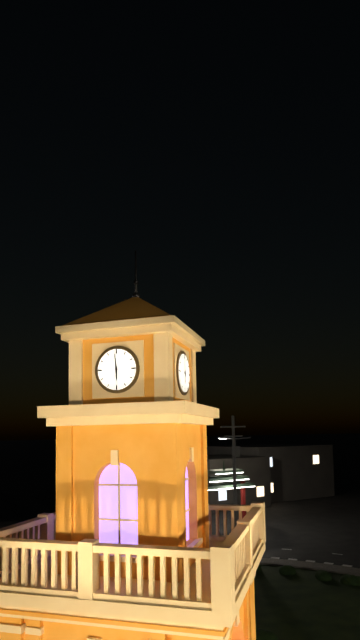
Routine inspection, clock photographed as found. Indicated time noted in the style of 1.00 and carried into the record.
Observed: 5.59
